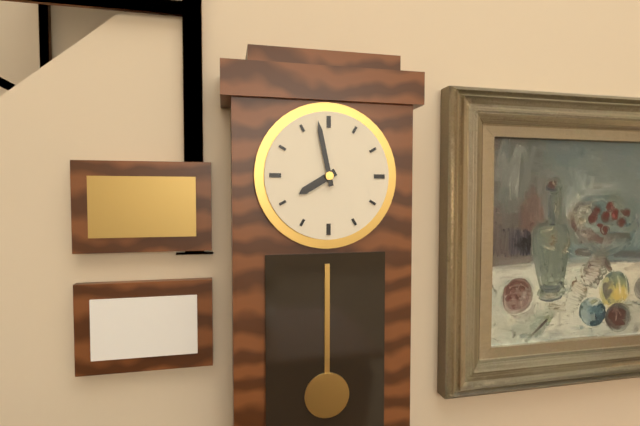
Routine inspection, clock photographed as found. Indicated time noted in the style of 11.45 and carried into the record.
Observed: 7.58
